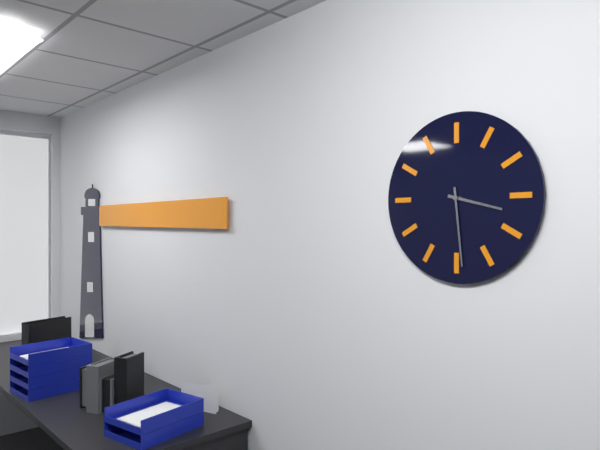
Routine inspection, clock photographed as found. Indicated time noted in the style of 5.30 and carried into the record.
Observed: 3.29
